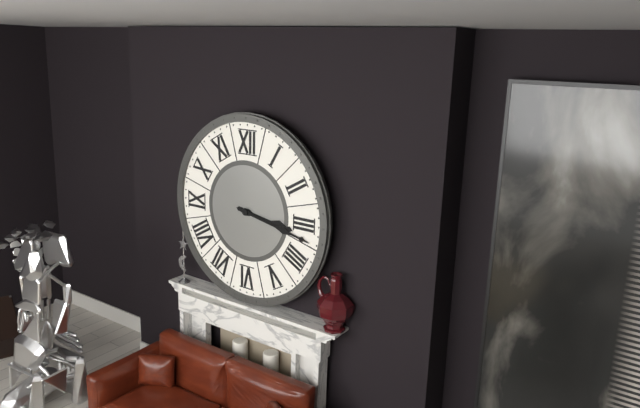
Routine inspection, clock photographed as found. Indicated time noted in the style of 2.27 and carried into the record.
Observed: 3.17
